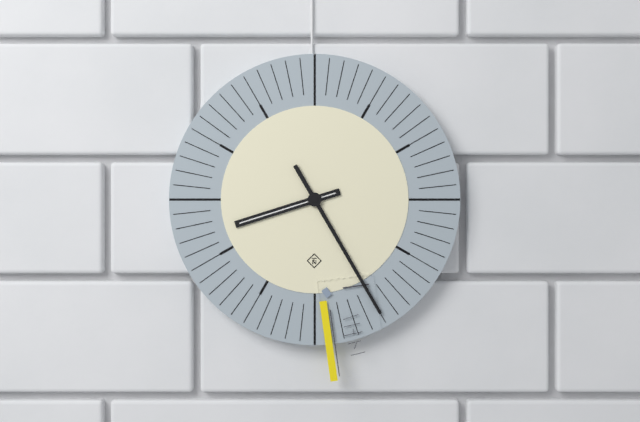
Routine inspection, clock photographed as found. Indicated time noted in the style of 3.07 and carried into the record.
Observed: 8.25
